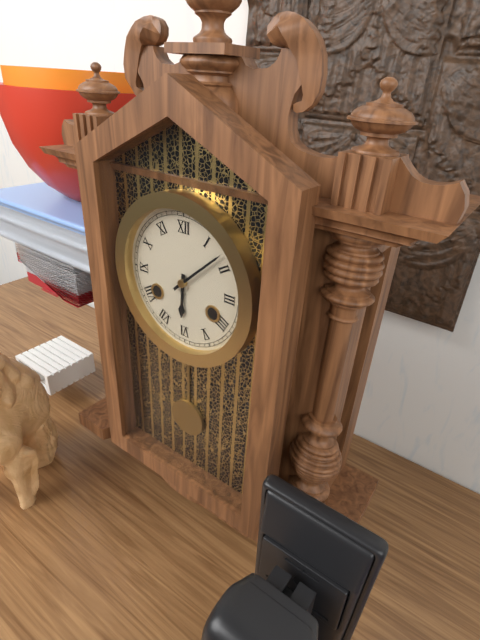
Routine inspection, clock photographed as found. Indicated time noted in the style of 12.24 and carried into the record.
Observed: 6.08
